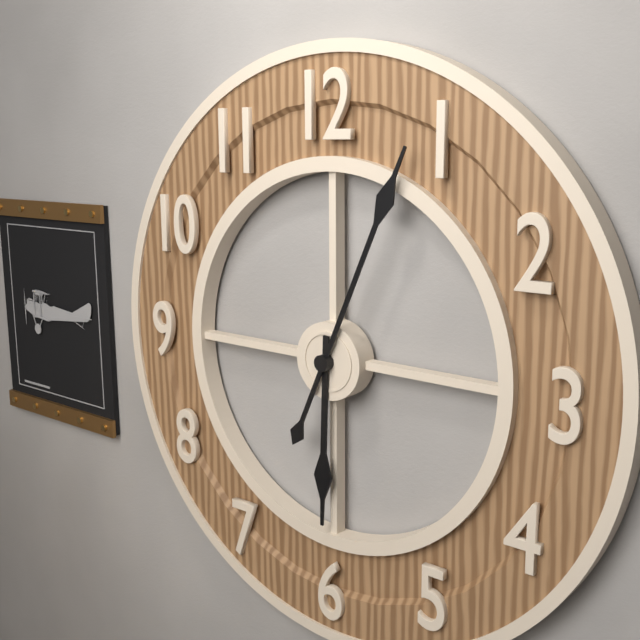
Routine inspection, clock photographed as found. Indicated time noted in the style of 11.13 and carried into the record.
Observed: 6.04
